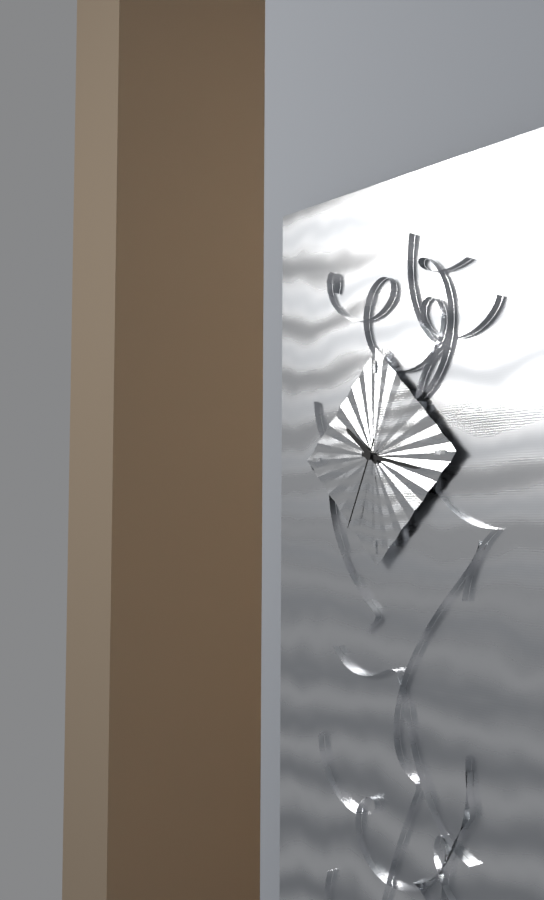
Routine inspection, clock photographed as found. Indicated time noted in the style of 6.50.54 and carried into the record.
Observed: 10.17.34
